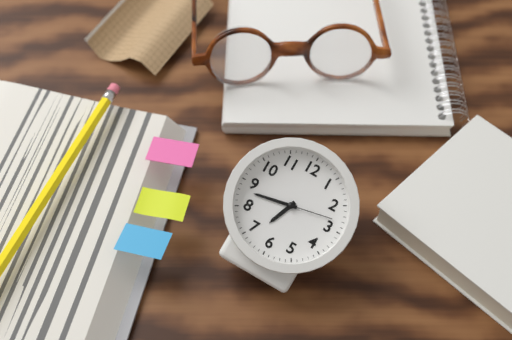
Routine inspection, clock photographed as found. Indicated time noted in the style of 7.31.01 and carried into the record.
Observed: 6.43.13
